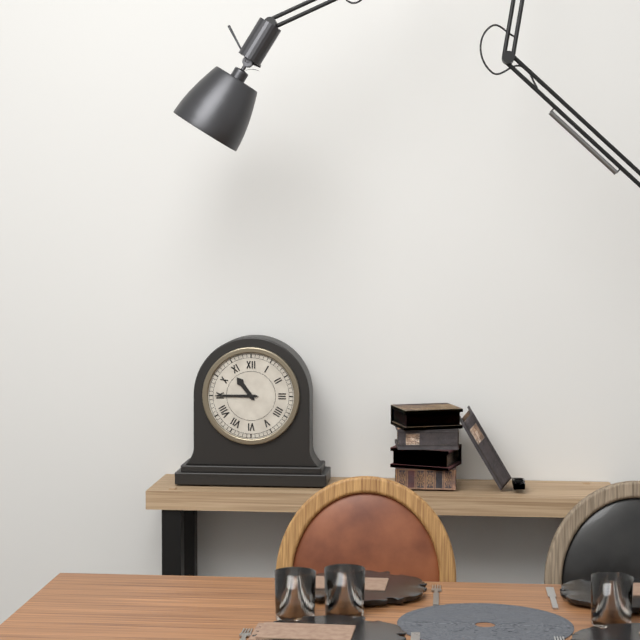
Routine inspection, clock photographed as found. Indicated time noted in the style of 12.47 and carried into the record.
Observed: 10.45
